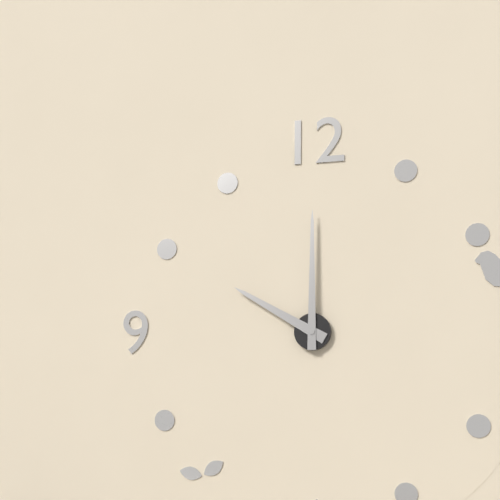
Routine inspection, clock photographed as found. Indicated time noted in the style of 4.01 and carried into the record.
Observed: 10.00
